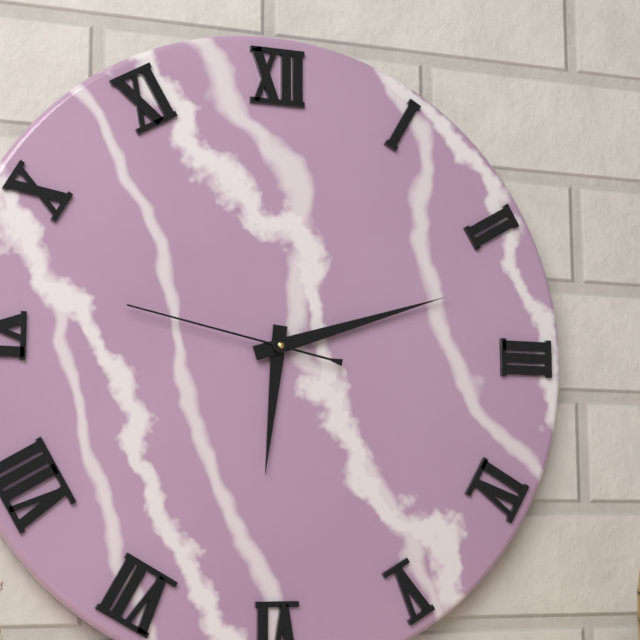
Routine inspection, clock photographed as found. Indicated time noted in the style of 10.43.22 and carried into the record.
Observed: 6.12.47
